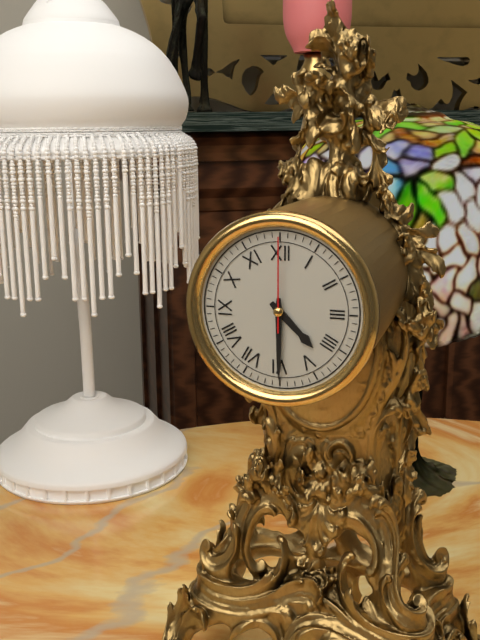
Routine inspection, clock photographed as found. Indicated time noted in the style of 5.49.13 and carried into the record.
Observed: 4.30.00
